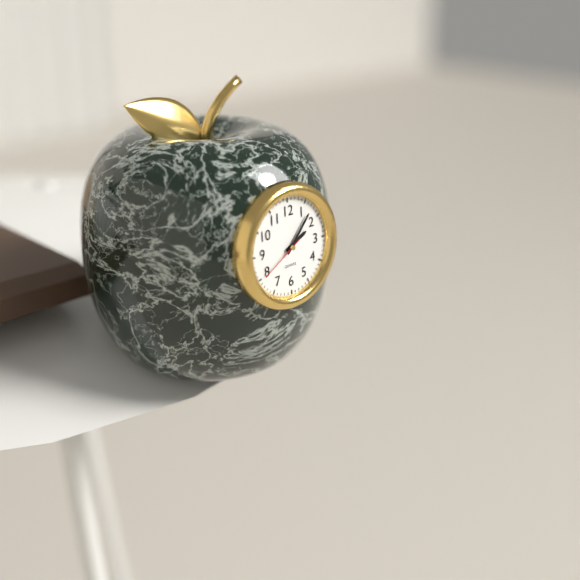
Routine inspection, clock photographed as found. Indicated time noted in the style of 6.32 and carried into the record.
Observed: 2.07
